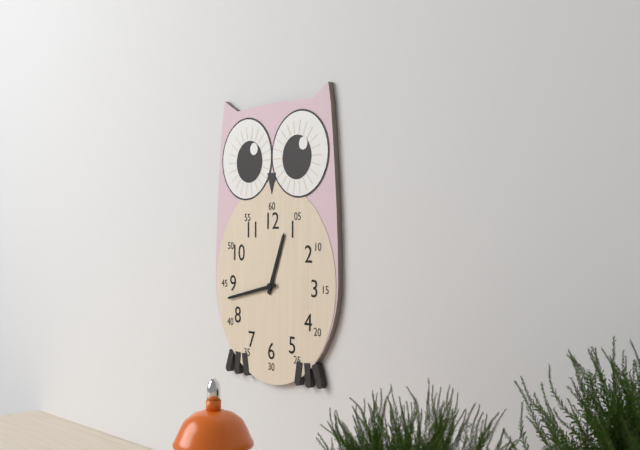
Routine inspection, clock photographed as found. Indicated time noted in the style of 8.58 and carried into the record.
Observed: 12.43
